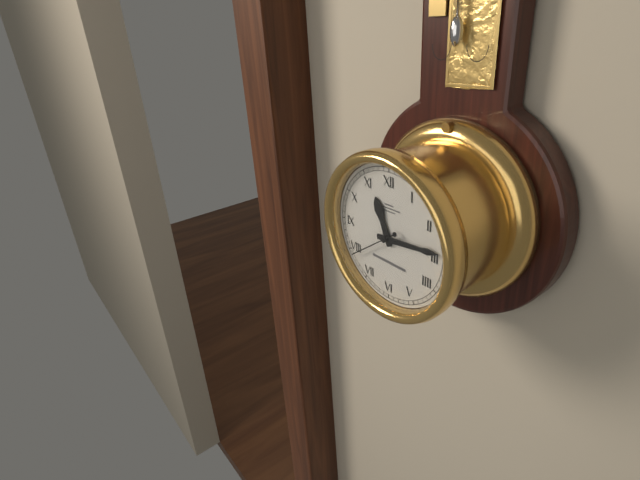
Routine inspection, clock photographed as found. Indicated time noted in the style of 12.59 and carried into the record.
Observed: 11.14
